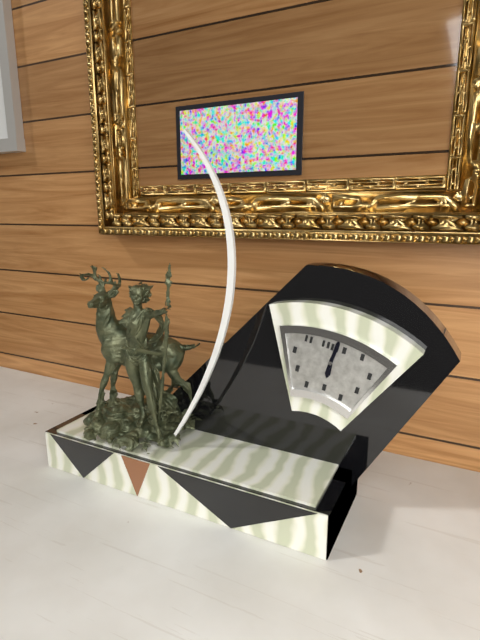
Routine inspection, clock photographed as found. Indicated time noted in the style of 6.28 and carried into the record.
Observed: 6.01
